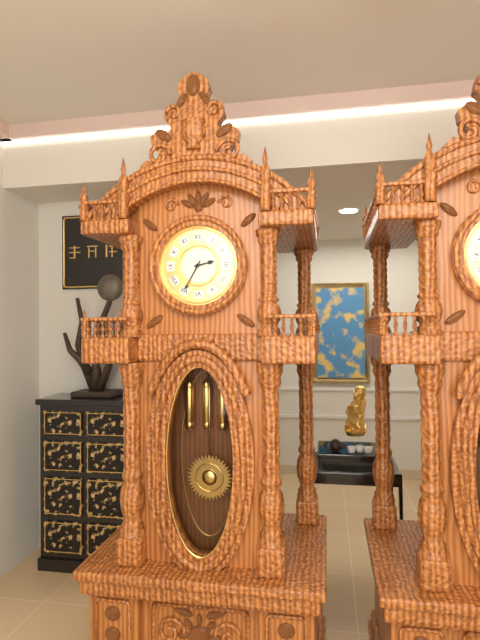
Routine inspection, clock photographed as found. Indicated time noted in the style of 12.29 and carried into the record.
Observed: 2.35
